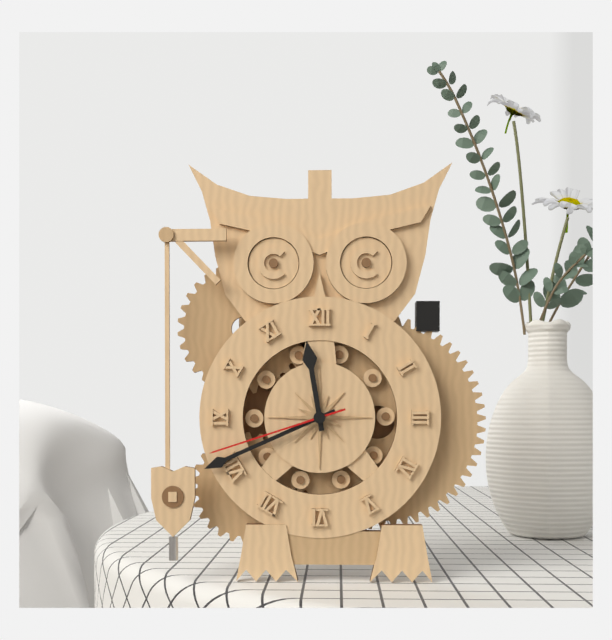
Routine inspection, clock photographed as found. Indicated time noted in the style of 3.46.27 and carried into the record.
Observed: 11.41.42
